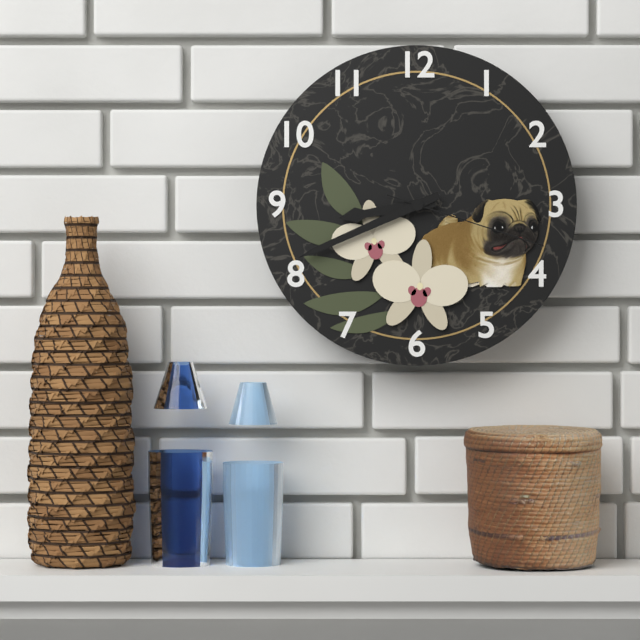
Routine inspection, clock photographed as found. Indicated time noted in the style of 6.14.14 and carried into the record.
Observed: 8.41.18
